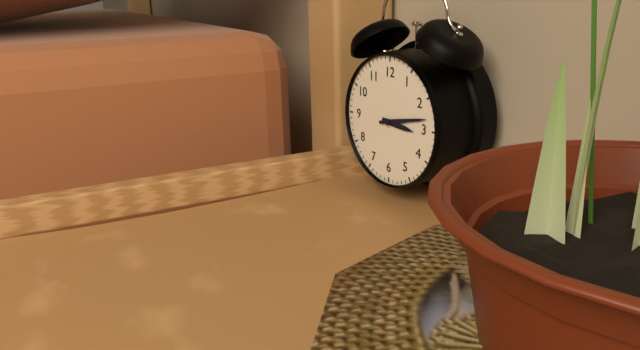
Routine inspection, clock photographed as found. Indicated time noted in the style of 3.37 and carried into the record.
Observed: 3.13
